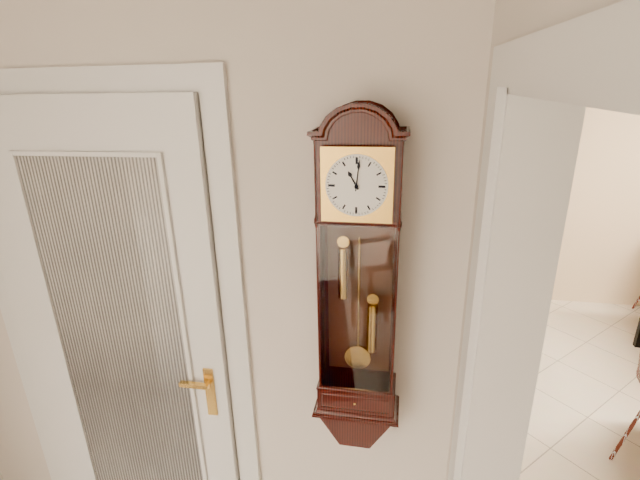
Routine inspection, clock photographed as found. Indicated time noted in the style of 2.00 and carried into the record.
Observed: 11.01
